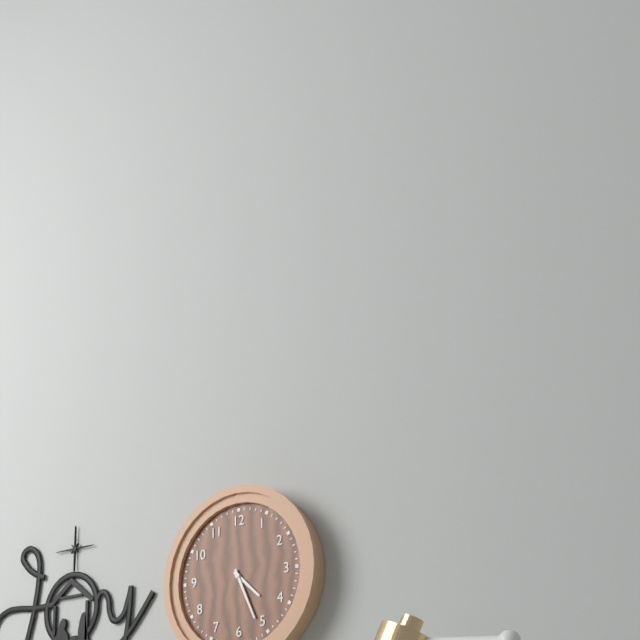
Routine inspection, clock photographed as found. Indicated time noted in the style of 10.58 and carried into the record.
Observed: 4.26
